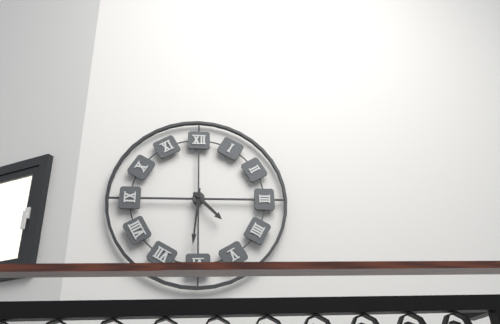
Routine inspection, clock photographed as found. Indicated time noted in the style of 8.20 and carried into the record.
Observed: 4.31
